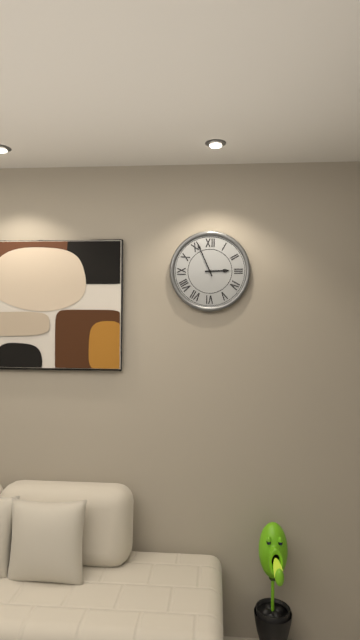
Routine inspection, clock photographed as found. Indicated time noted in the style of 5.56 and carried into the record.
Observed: 2.56
